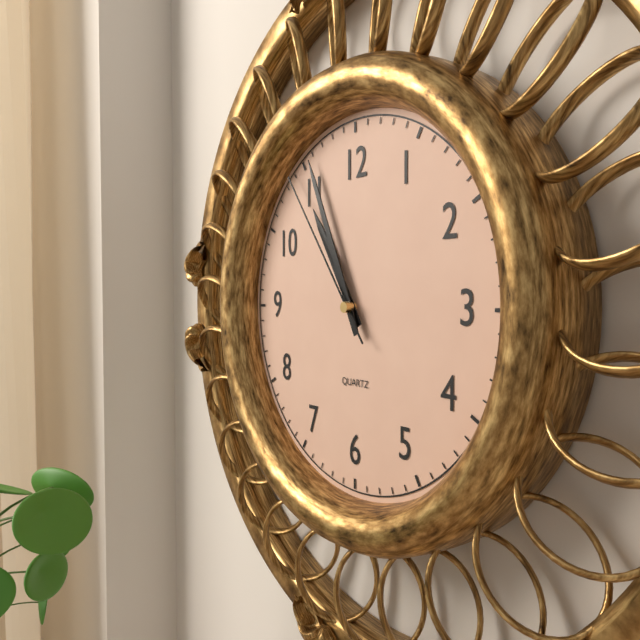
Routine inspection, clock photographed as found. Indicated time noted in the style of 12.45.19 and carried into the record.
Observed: 10.56.54
